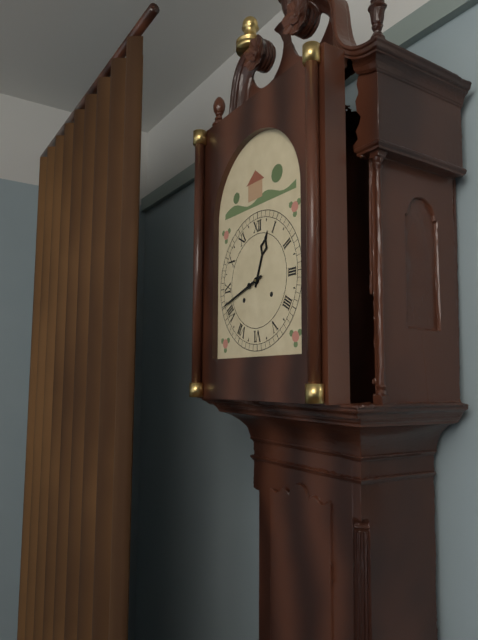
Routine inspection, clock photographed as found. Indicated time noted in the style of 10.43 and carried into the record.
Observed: 12.42
